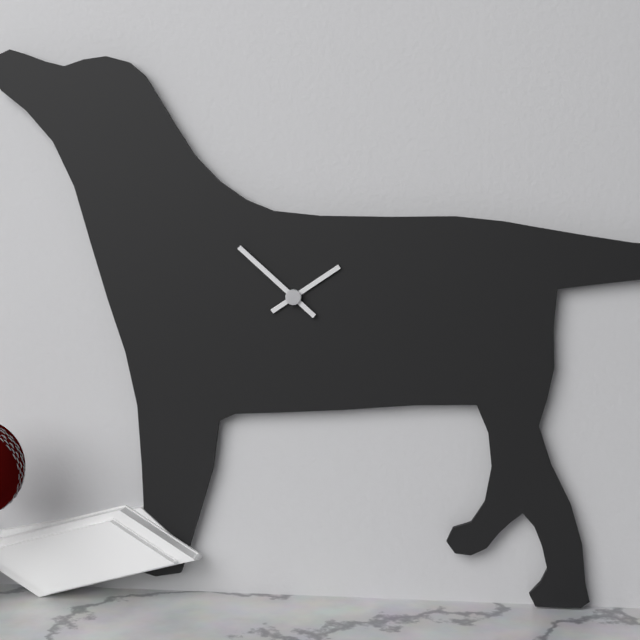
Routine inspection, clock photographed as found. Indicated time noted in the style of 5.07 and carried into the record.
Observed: 1.52
